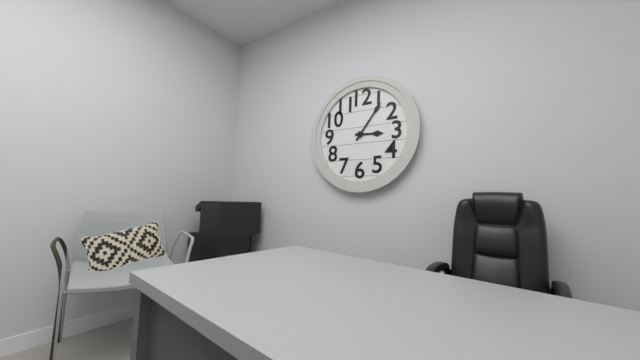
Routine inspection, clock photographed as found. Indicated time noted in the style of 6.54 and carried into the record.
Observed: 3.06
